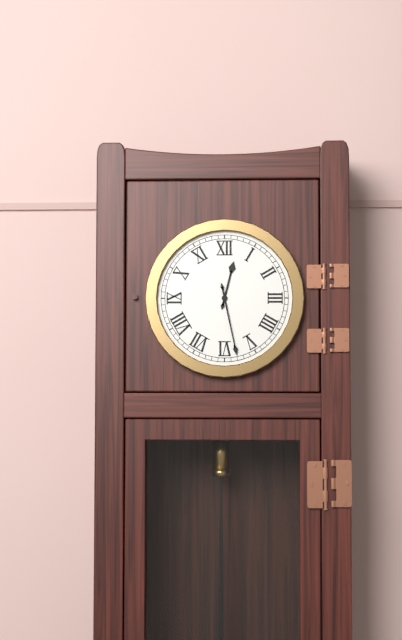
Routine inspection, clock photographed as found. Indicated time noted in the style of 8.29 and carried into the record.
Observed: 12.28
